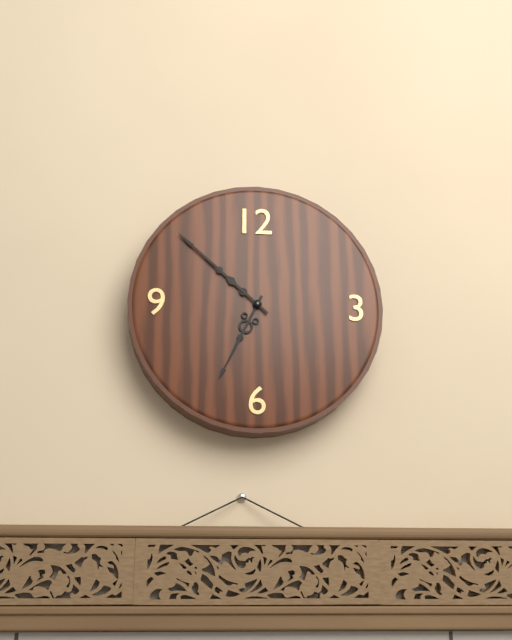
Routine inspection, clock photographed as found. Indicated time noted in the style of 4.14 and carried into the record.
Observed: 6.52
